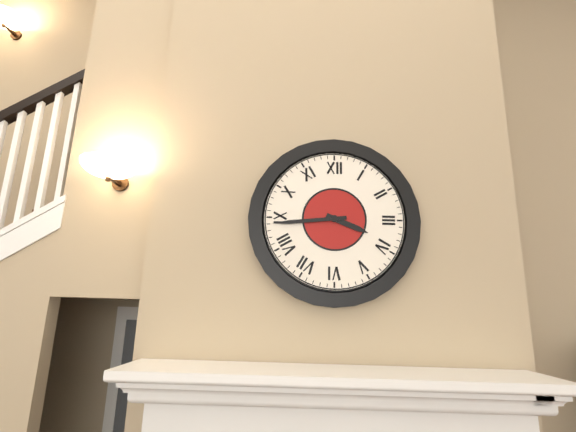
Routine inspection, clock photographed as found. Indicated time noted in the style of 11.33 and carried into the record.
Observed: 3.44
